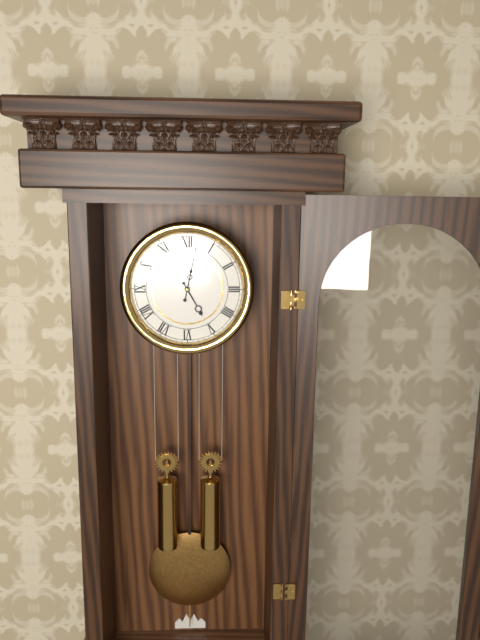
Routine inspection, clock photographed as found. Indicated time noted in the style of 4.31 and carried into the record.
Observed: 5.02
